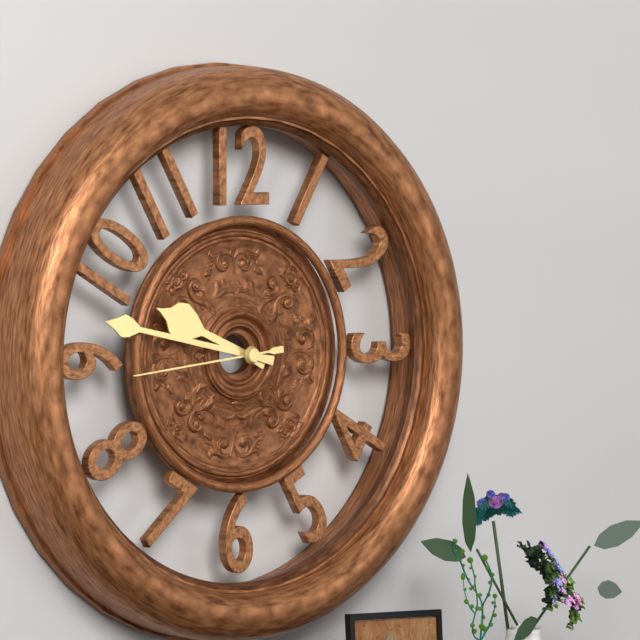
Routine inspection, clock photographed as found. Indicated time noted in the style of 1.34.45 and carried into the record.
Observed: 9.47.44
